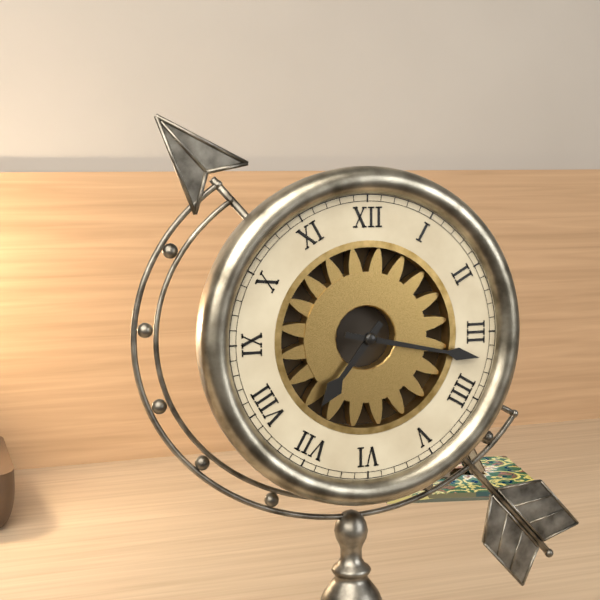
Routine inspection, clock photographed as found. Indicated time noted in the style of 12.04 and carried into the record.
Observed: 7.17
